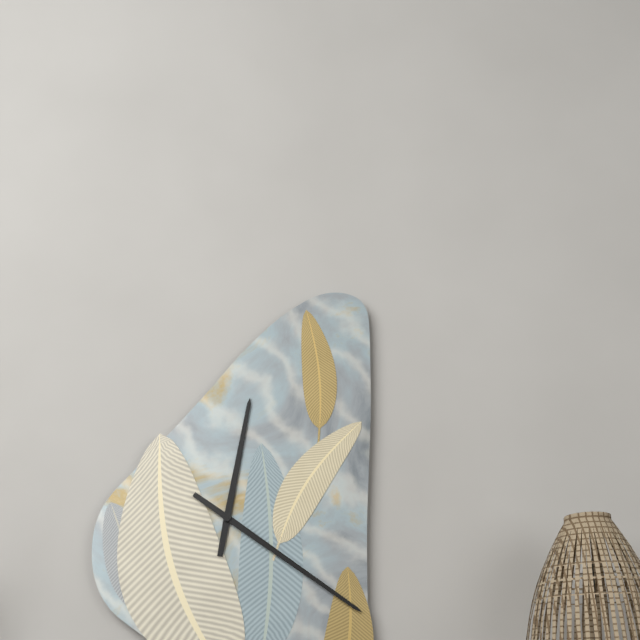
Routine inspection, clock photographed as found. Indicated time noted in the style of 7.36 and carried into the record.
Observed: 12.21
